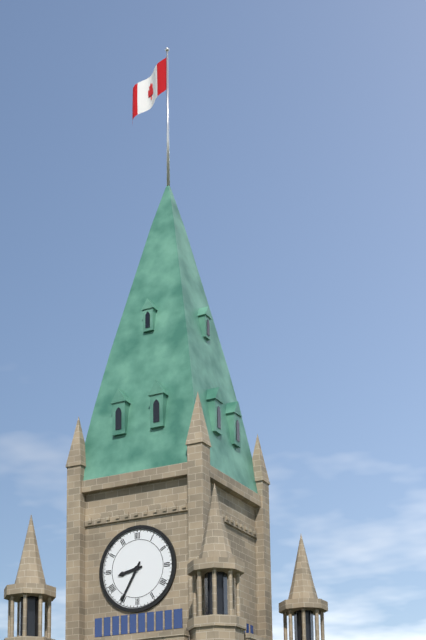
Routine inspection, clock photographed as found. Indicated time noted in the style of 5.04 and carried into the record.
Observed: 8.35
